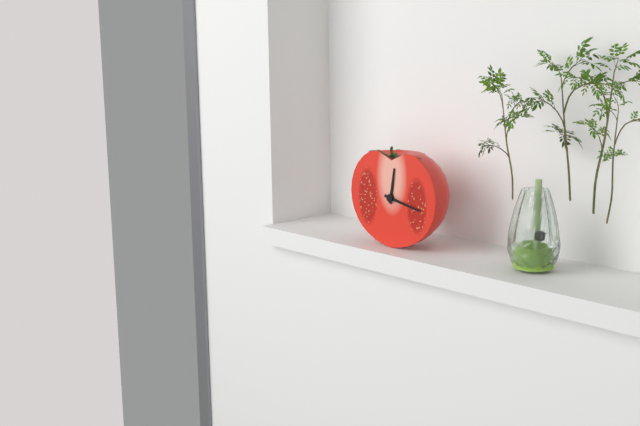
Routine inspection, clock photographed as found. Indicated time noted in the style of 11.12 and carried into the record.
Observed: 12.17
